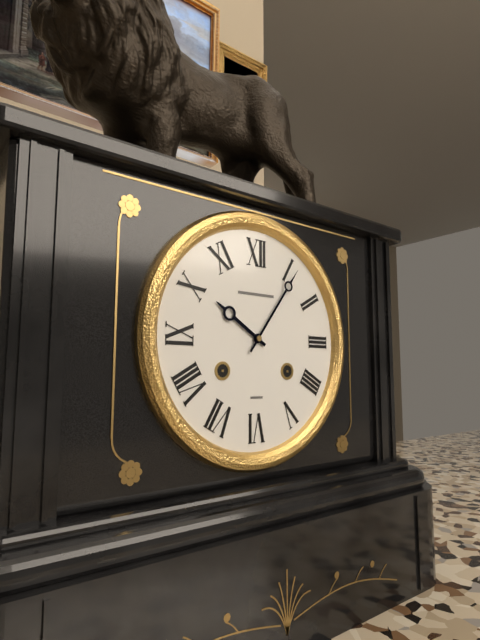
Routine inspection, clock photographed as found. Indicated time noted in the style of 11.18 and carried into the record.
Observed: 10.06
